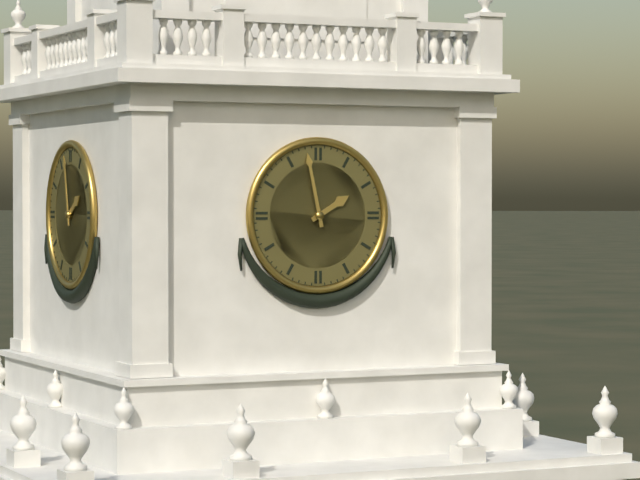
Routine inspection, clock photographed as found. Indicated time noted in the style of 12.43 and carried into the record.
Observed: 1.58
